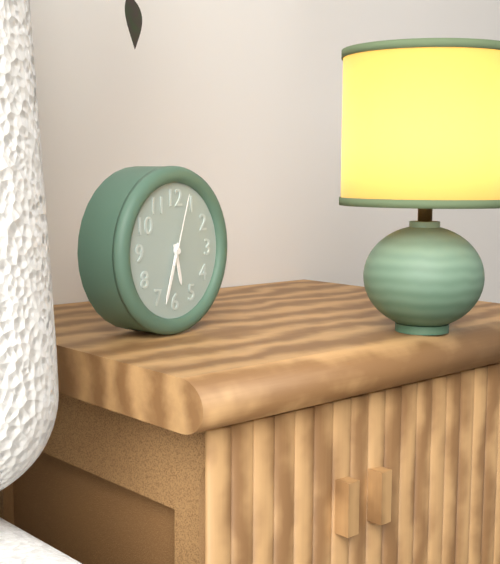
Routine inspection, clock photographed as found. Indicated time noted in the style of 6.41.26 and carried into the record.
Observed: 5.33.03
